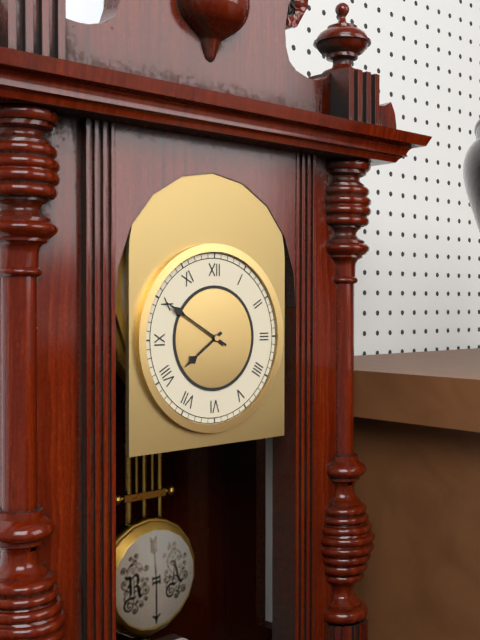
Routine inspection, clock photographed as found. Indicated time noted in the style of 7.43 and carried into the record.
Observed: 7.50
